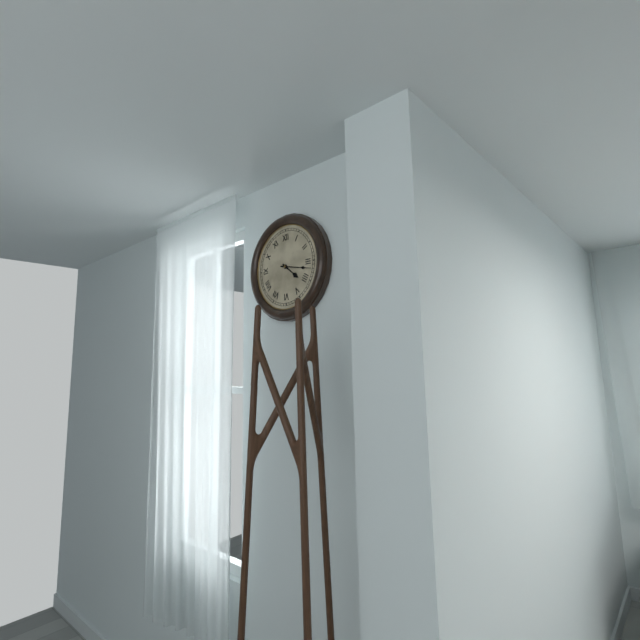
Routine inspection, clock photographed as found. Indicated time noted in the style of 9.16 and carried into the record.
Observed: 4.17
